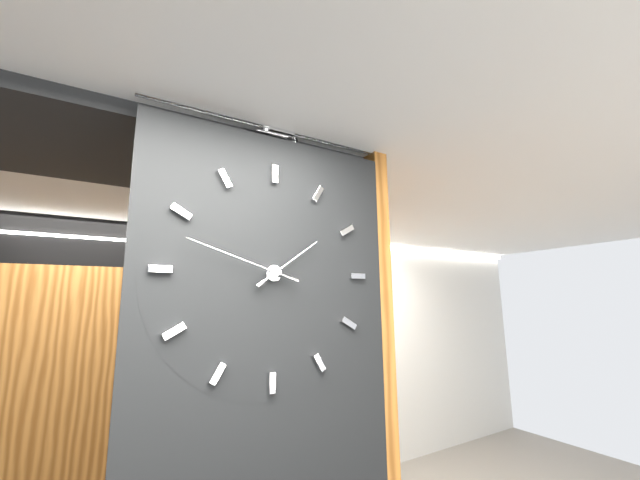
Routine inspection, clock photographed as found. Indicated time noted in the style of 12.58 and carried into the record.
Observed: 1.48
